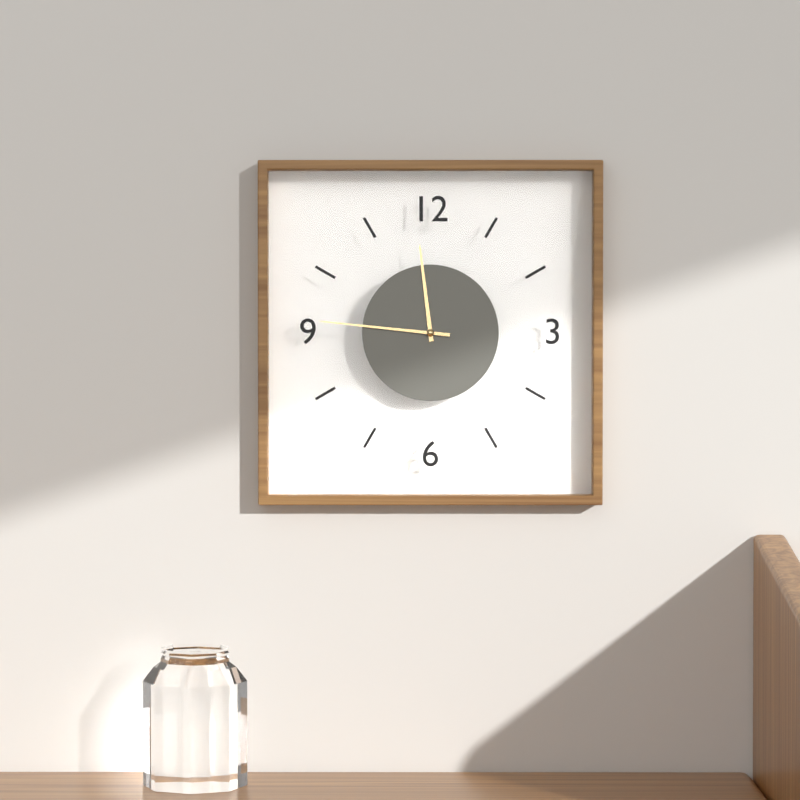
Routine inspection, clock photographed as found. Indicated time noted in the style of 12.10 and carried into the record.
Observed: 11.46
